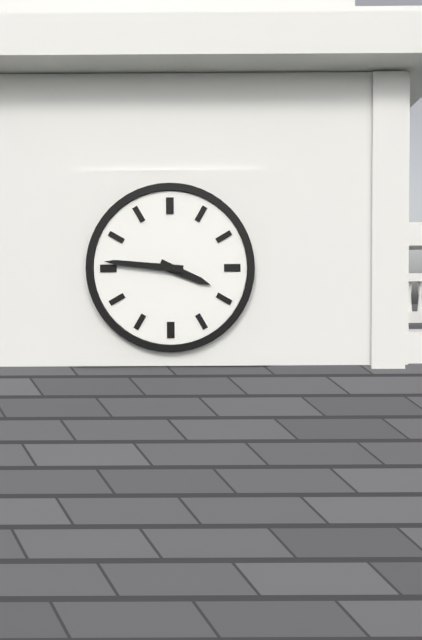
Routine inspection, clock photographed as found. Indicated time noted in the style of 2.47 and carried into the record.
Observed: 3.46
